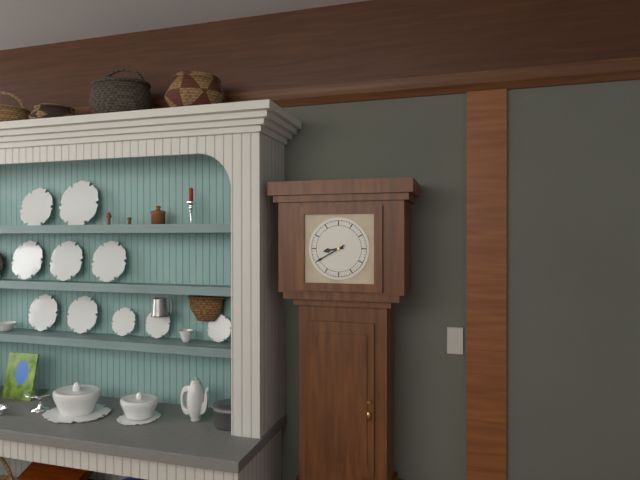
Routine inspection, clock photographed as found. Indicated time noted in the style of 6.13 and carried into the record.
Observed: 8.40
